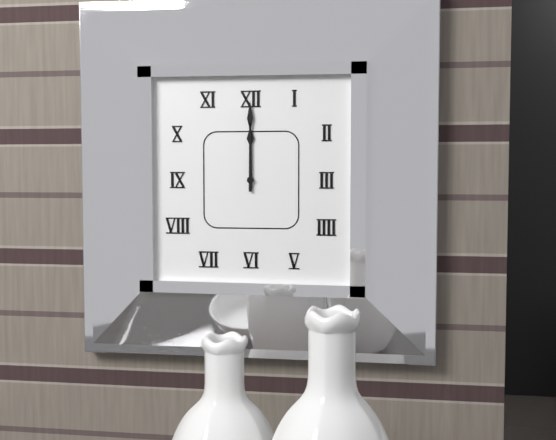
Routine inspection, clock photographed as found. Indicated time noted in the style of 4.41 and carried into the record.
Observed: 12.00
